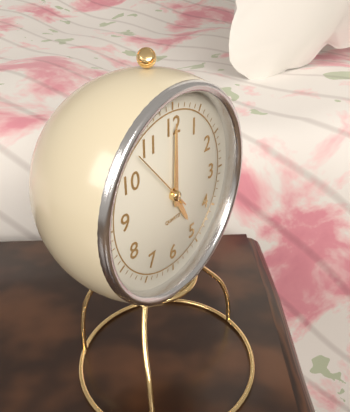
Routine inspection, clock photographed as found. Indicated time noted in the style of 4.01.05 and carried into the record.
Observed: 5.00.53
